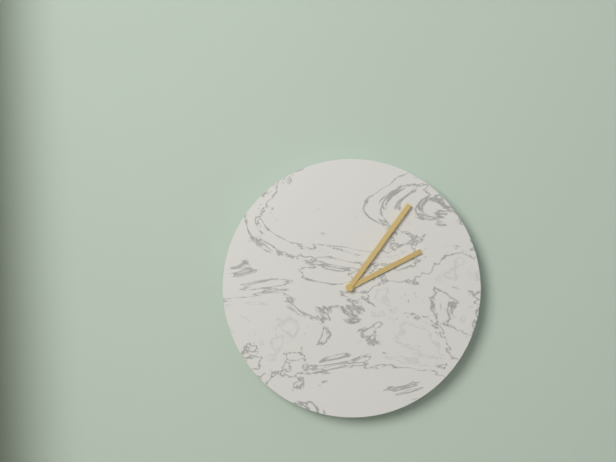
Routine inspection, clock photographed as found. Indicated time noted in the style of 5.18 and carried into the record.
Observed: 2.06
